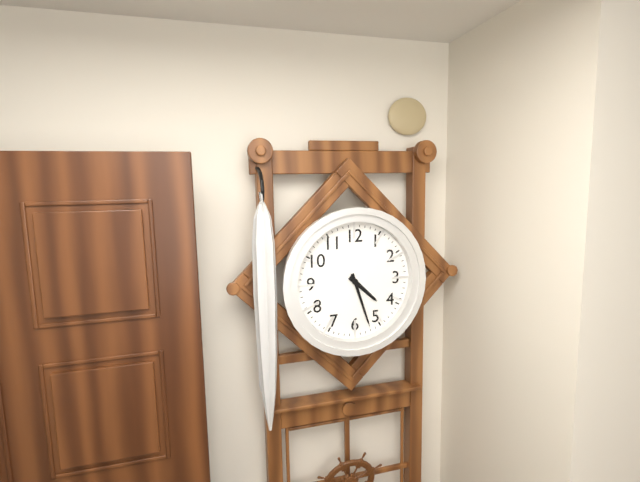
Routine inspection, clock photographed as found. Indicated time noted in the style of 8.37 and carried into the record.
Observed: 4.27
